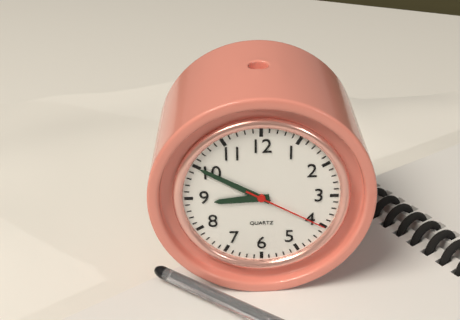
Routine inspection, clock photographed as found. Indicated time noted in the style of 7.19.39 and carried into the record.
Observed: 8.50.20
